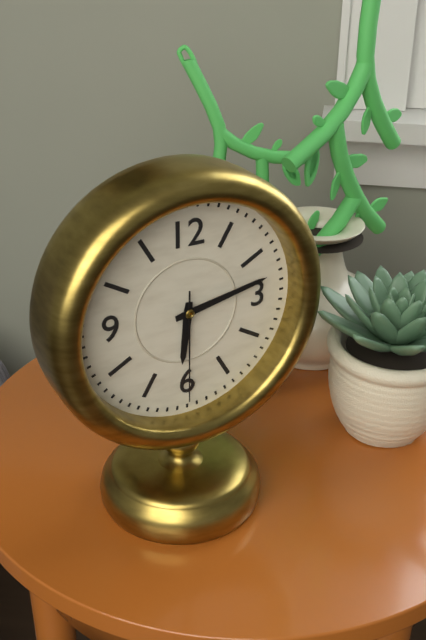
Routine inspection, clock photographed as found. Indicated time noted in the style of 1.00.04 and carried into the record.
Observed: 6.13.30
